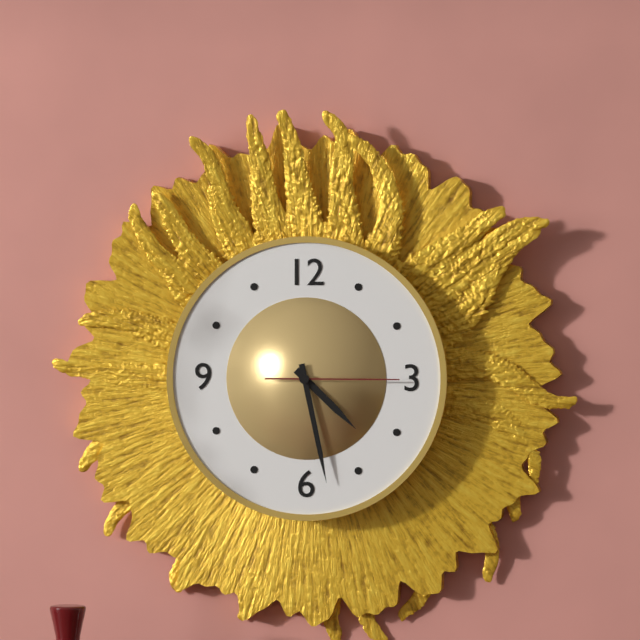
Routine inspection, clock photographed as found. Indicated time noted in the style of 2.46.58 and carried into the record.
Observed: 4.28.15
